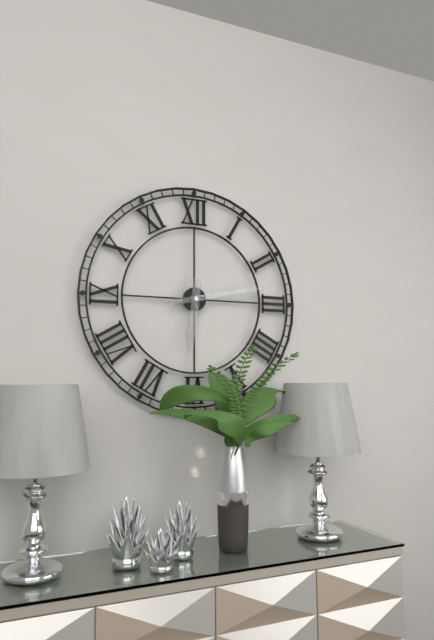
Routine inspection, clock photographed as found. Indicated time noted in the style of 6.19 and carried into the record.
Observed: 6.13
